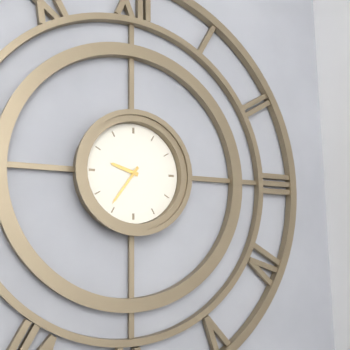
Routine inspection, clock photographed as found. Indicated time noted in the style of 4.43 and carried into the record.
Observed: 9.36
